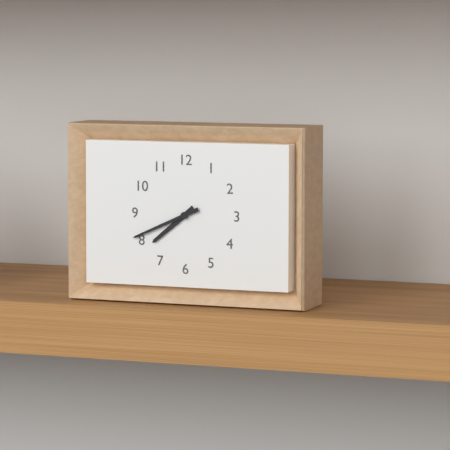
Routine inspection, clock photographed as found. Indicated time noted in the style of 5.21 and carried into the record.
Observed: 7.41
